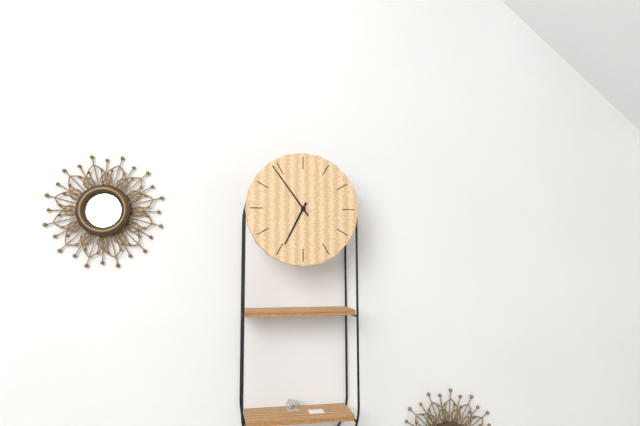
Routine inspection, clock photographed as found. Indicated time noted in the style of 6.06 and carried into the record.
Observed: 6.54
